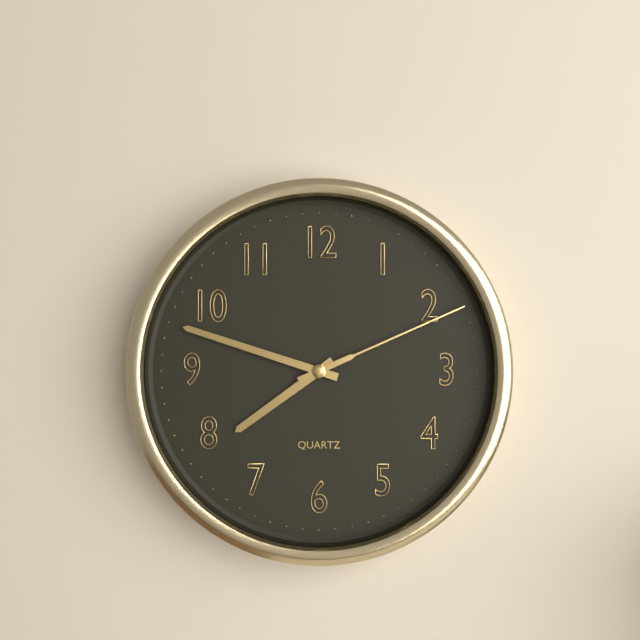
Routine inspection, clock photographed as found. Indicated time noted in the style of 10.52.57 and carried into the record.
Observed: 7.48.11
